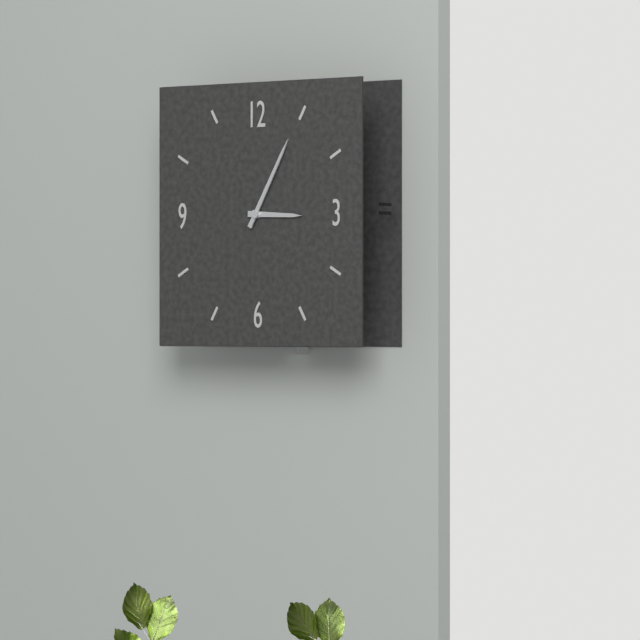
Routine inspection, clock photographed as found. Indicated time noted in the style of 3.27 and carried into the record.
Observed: 3.05
